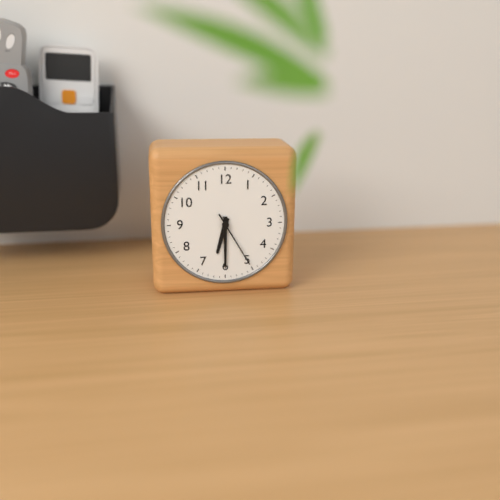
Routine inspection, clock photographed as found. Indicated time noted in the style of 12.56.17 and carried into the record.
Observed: 6.30.25
